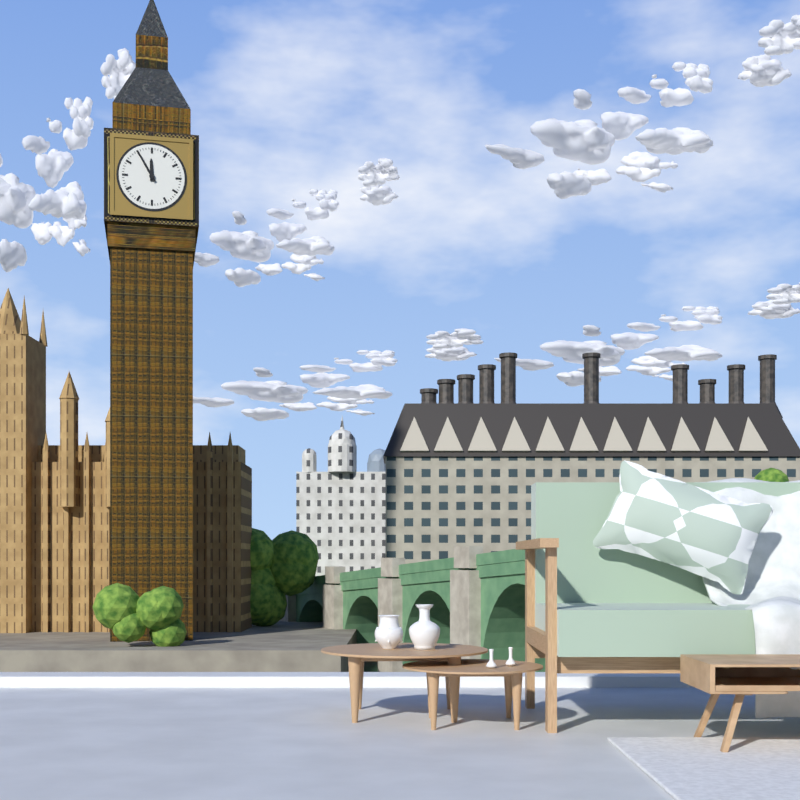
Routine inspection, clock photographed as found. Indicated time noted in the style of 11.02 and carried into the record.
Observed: 11.55
